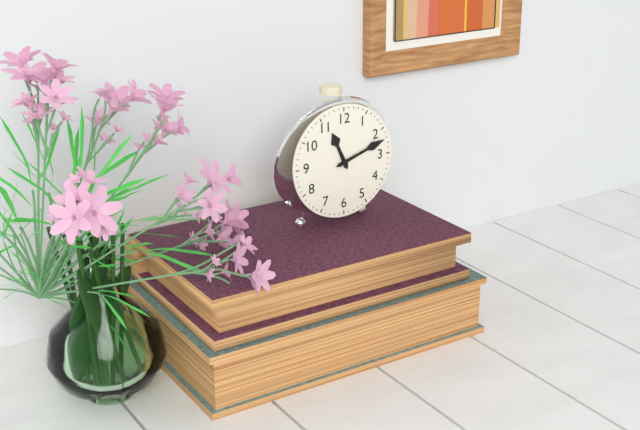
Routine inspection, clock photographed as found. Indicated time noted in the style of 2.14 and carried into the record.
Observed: 11.12
